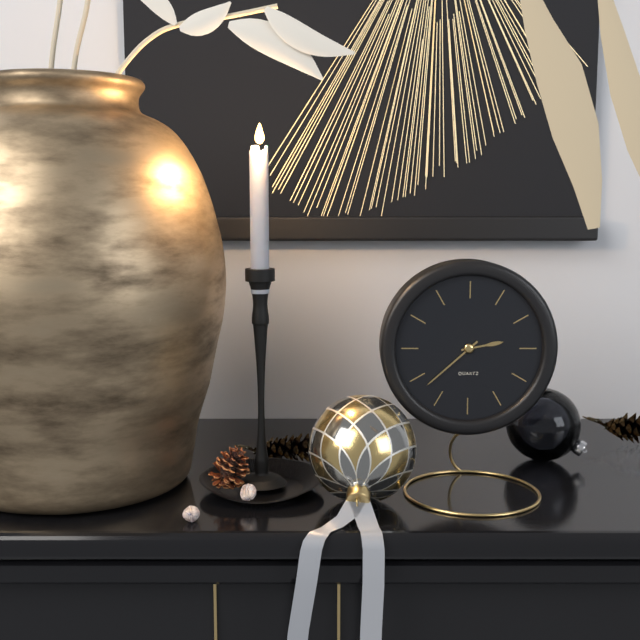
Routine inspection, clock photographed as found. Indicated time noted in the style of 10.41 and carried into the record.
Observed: 2.38
